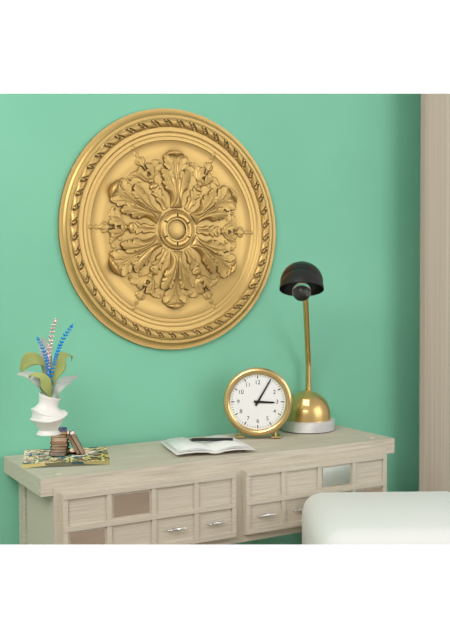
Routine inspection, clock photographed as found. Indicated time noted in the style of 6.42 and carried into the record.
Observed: 3.05
